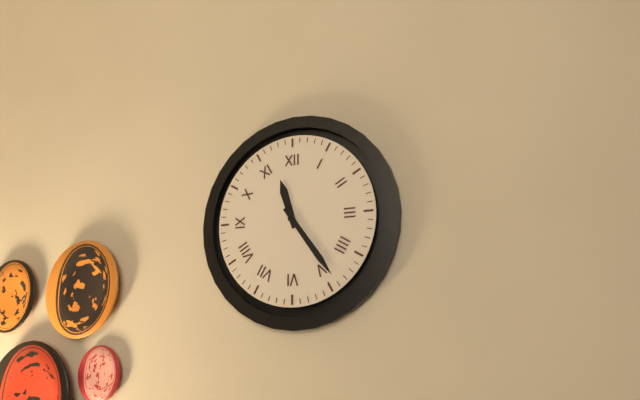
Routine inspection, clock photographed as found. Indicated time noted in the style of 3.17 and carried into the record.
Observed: 11.24
